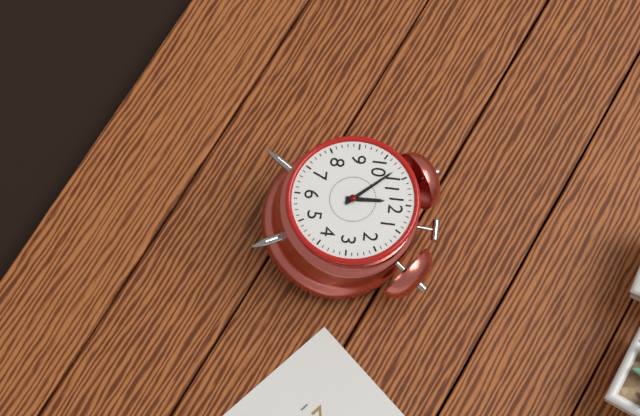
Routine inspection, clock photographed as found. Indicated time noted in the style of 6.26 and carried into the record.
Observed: 11.53
